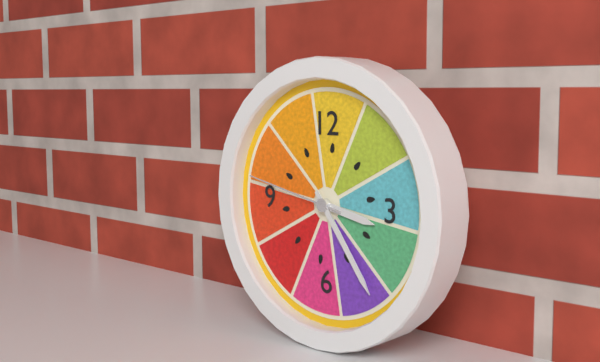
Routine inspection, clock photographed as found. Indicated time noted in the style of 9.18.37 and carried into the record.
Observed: 3.24.47
